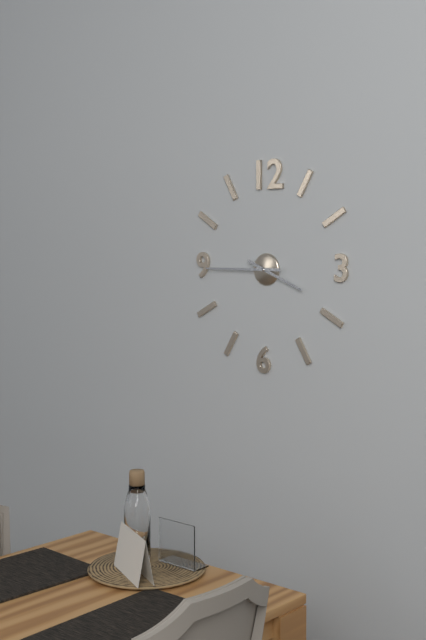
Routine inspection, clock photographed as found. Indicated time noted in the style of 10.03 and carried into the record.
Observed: 3.45
